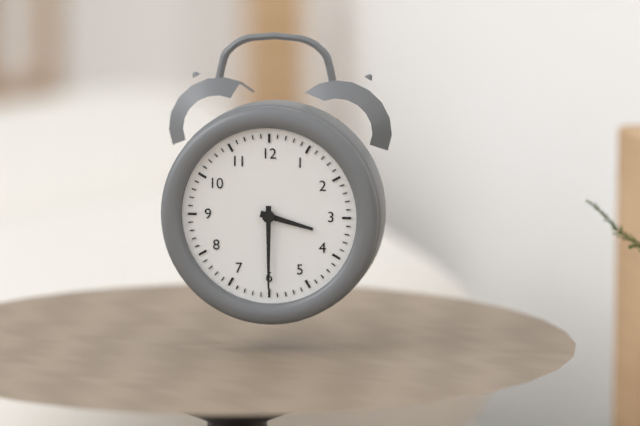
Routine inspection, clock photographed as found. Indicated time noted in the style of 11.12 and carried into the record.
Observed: 3.30
